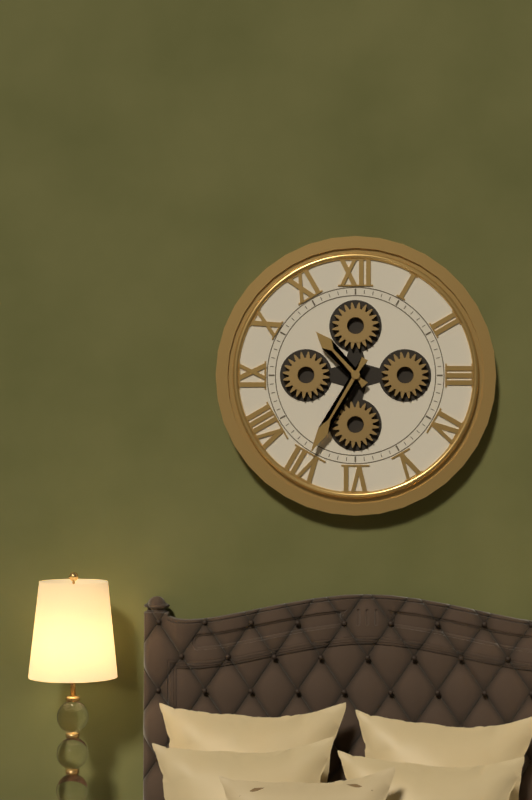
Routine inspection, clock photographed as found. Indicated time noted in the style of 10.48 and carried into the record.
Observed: 10.35
